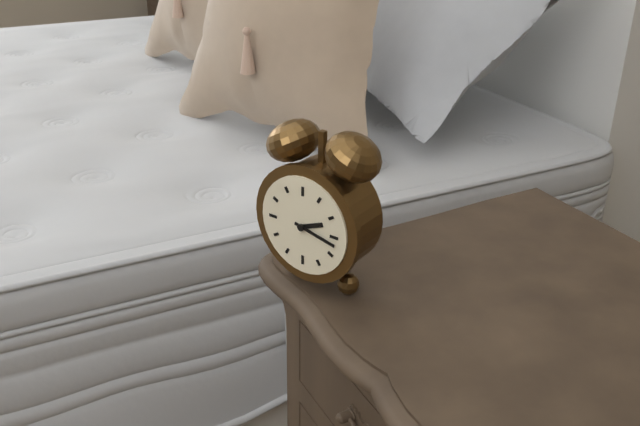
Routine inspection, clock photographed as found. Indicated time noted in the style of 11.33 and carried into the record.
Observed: 2.17
